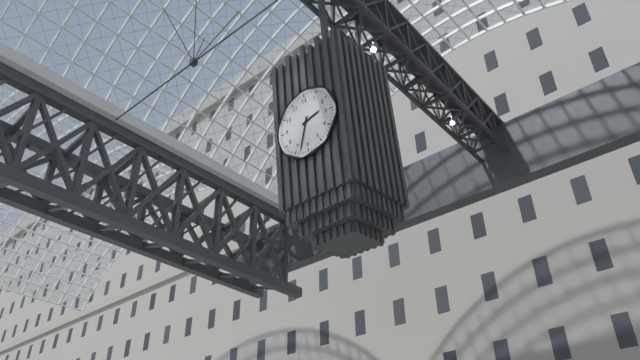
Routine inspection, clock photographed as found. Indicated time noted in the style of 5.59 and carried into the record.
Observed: 2.33
